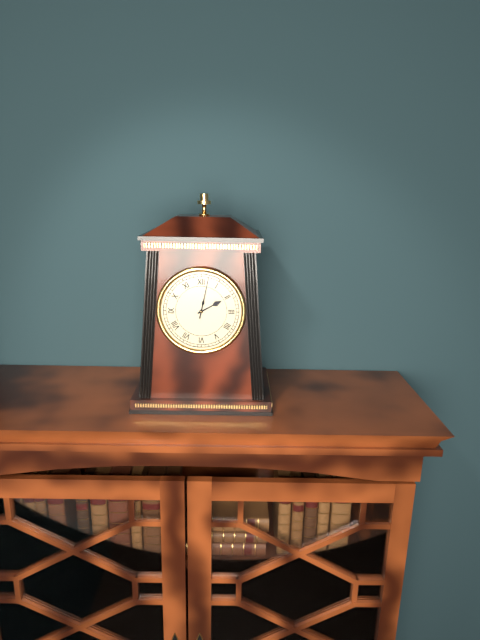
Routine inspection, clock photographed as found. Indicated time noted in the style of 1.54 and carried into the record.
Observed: 2.02
